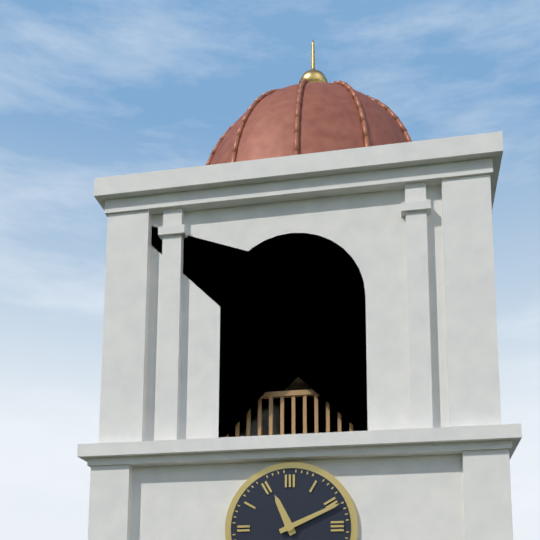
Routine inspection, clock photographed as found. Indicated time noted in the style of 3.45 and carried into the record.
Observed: 11.11
